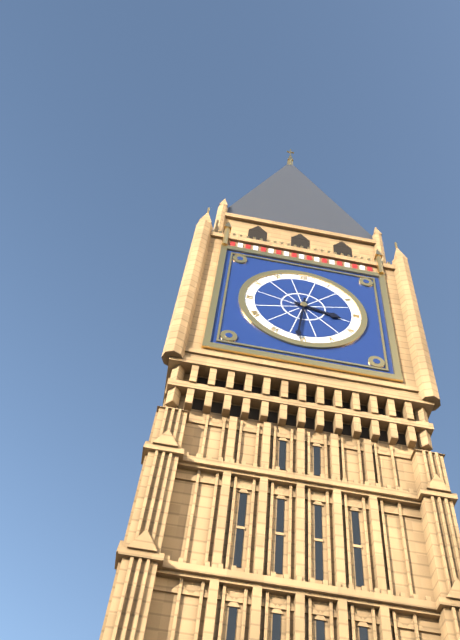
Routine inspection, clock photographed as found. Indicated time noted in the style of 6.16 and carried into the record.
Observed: 3.31
